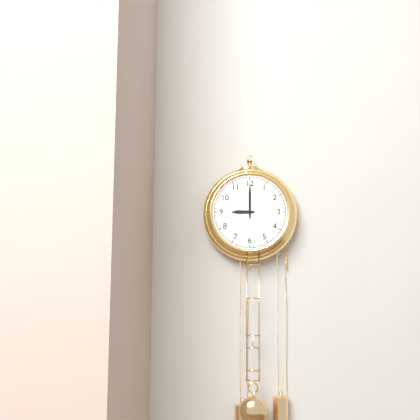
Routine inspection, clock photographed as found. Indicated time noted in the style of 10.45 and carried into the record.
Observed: 9.00
